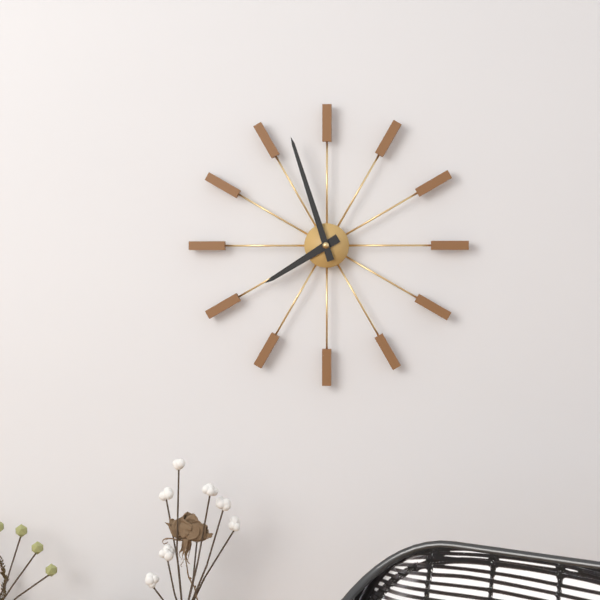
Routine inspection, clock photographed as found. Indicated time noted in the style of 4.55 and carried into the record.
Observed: 7.57
